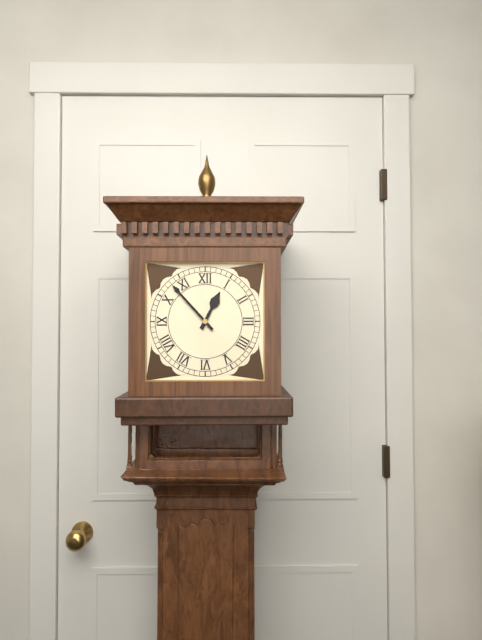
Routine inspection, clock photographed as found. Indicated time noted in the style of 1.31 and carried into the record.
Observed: 12.53
